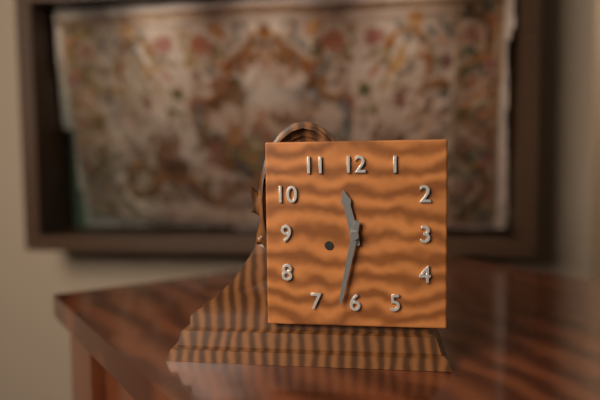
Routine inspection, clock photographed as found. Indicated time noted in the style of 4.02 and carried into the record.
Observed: 11.32
